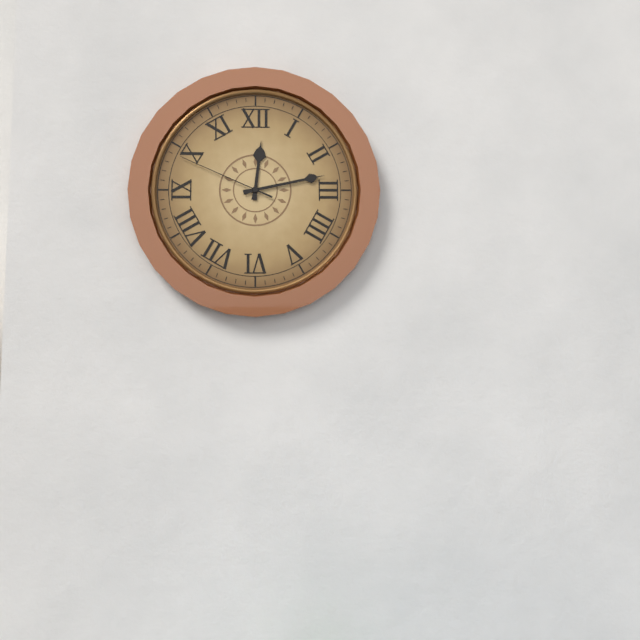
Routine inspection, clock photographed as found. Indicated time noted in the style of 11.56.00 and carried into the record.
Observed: 12.13.49
